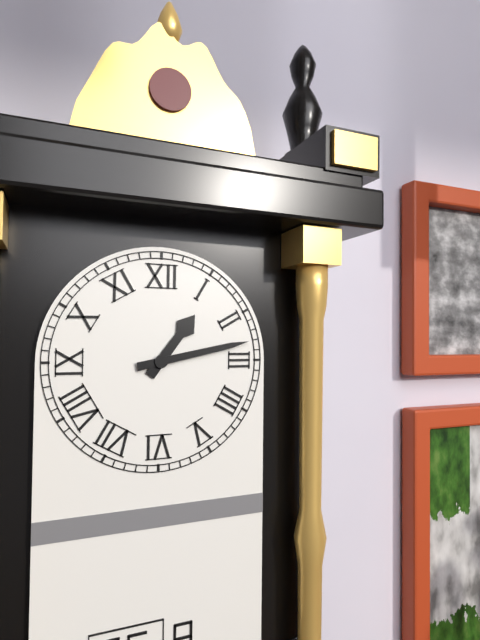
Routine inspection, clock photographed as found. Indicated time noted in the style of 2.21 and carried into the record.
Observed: 1.13
